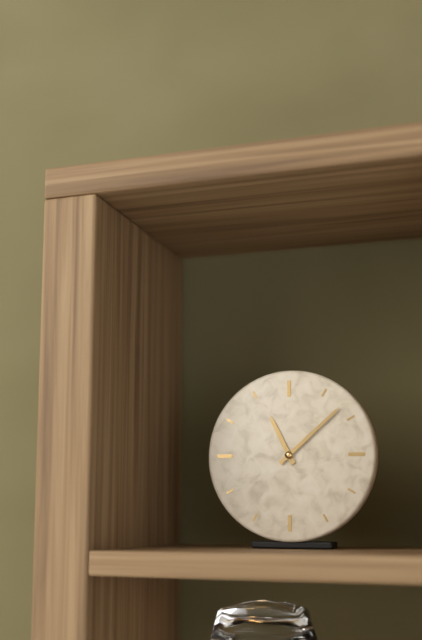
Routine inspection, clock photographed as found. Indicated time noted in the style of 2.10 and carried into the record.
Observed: 11.08
